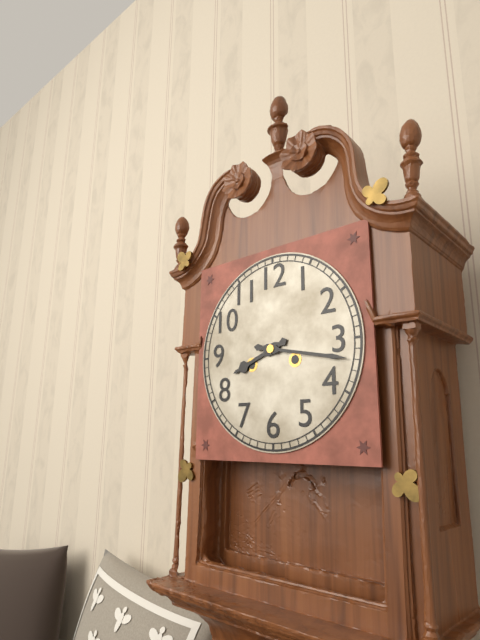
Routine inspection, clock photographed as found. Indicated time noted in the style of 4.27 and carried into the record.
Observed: 8.17
